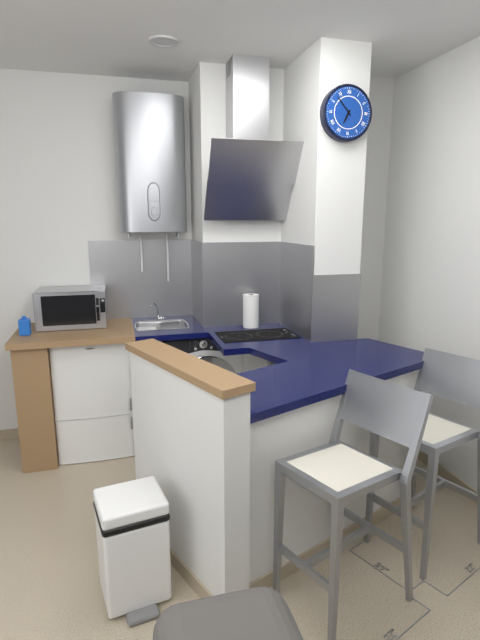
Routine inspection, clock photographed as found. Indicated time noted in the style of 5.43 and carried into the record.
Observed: 6.53
